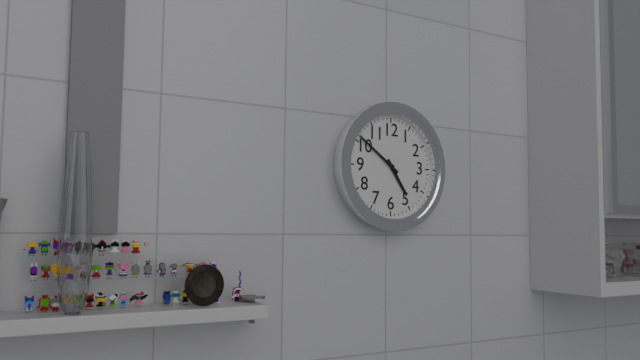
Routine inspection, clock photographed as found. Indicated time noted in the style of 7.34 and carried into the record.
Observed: 4.51
